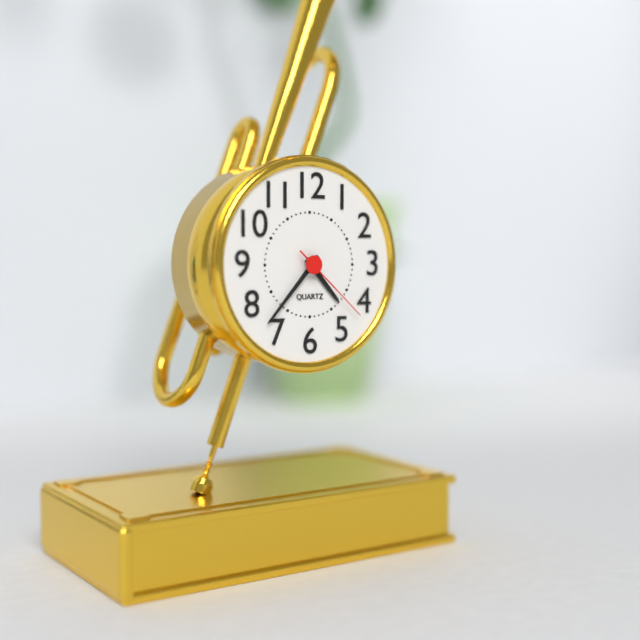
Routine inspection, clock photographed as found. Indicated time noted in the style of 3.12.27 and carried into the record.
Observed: 4.37.22
